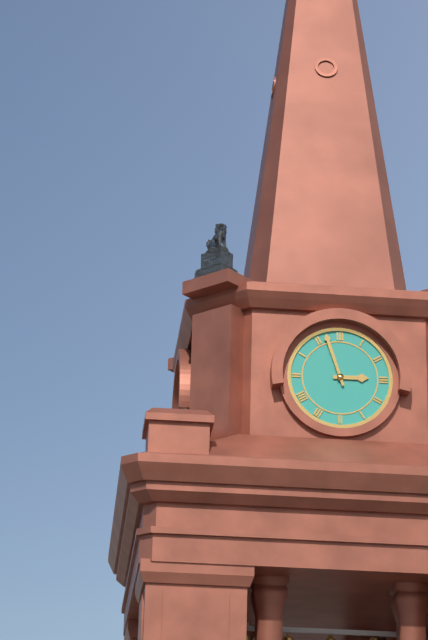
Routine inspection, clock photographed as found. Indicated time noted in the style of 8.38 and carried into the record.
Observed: 2.57
